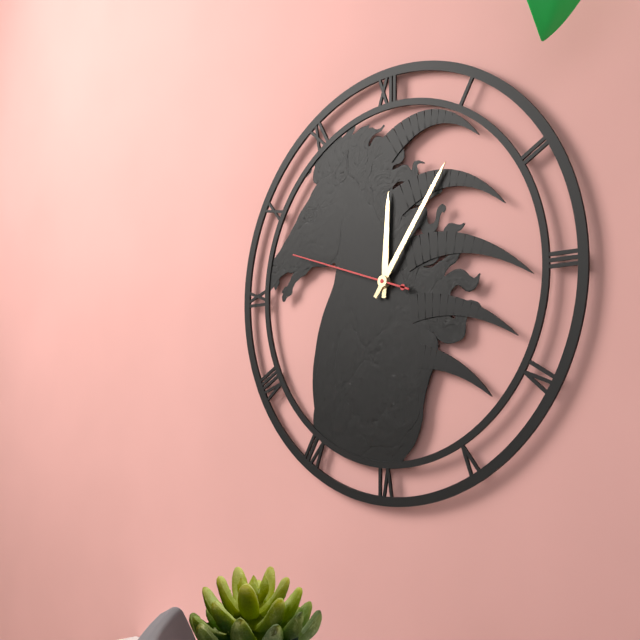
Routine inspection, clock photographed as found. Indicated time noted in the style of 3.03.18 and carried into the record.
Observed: 12.06.48
